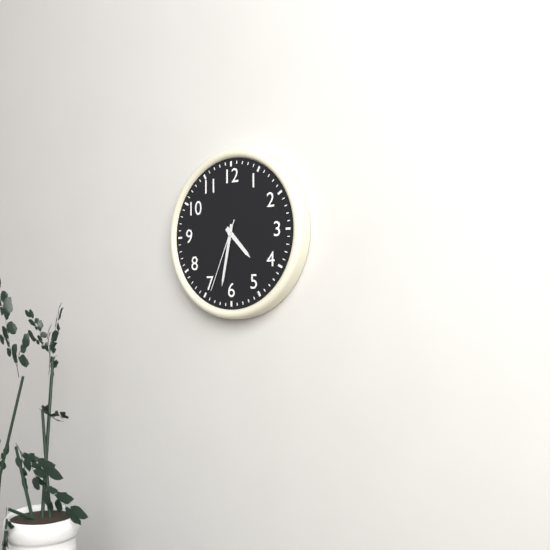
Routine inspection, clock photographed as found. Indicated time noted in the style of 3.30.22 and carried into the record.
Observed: 4.32.34
